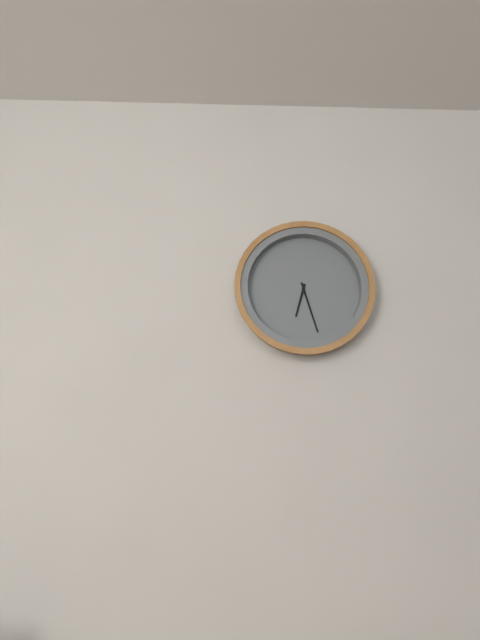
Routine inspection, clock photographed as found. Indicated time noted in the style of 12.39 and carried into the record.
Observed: 6.27
